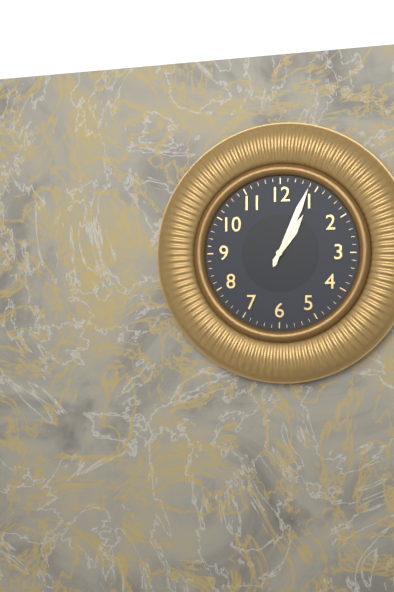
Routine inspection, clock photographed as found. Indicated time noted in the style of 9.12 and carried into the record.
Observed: 1.04
